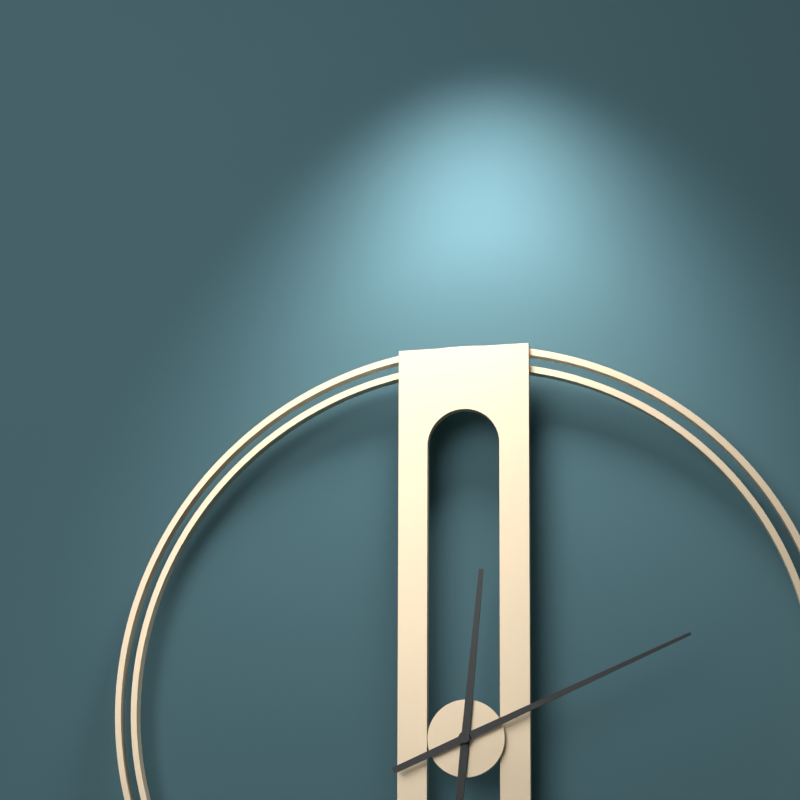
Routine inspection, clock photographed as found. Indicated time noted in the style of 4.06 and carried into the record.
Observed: 12.11
